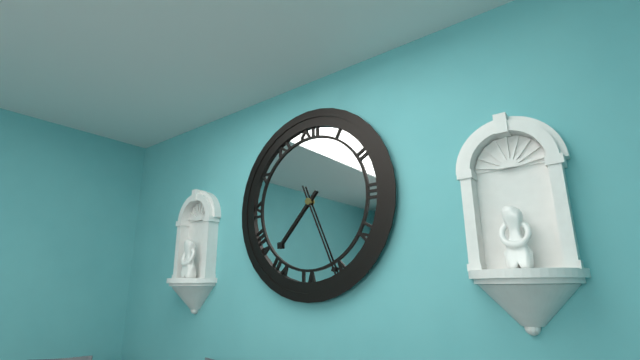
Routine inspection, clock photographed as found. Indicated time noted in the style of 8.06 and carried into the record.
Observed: 7.26
